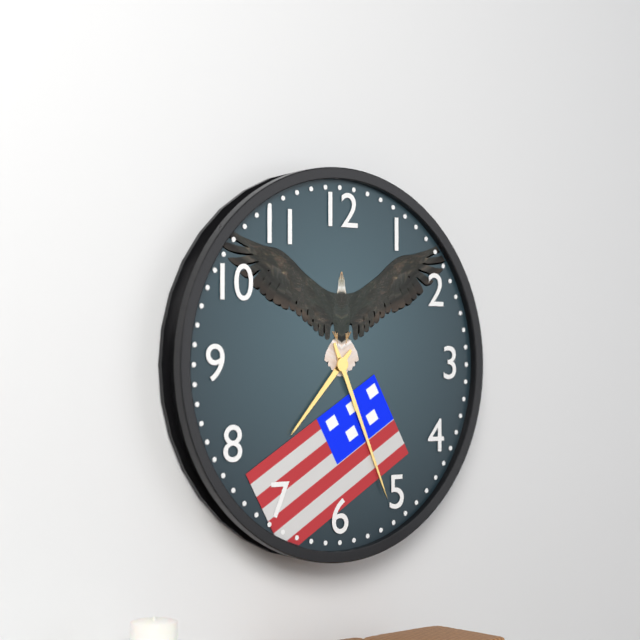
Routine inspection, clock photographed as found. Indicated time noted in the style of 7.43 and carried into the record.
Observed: 7.26
